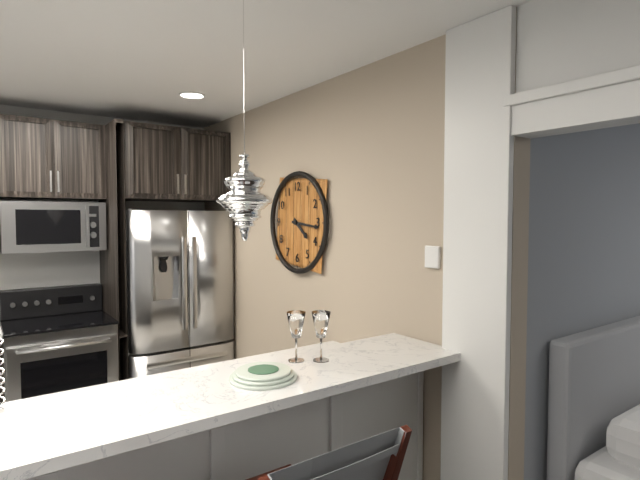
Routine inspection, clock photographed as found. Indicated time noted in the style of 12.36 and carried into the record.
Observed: 4.16
